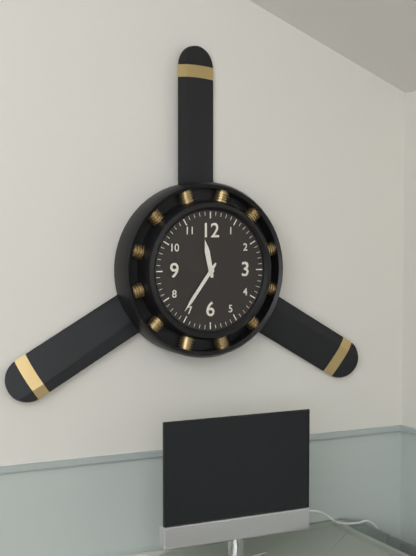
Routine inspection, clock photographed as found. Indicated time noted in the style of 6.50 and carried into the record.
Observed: 11.36
